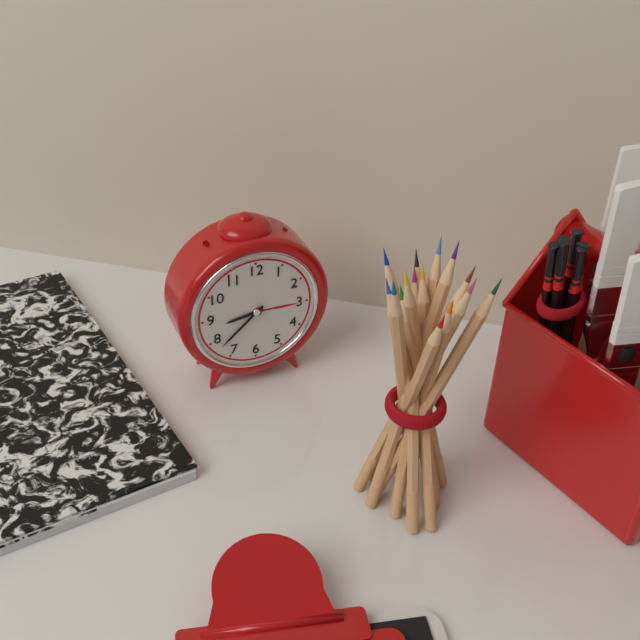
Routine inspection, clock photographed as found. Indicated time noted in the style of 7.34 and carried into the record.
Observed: 8.38
